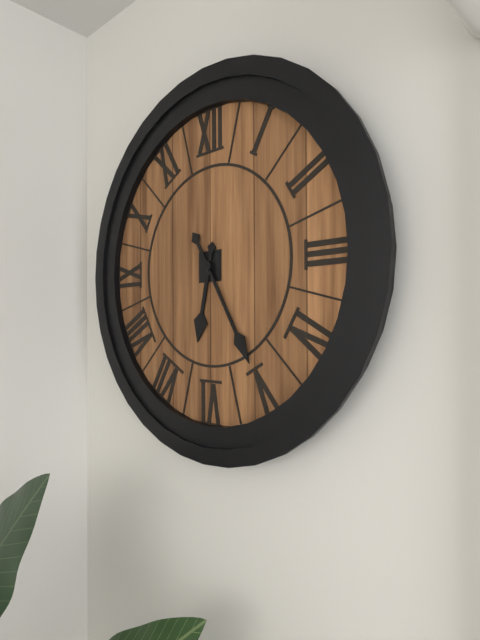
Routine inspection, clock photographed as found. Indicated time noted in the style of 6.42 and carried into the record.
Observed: 6.25
